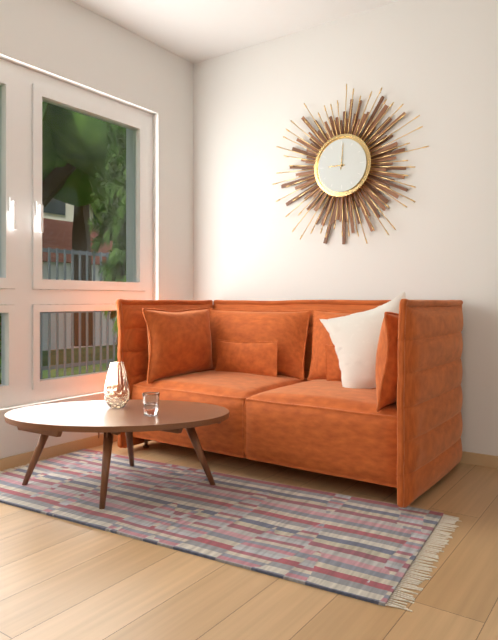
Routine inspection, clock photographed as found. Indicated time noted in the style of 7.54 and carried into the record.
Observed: 9.01
